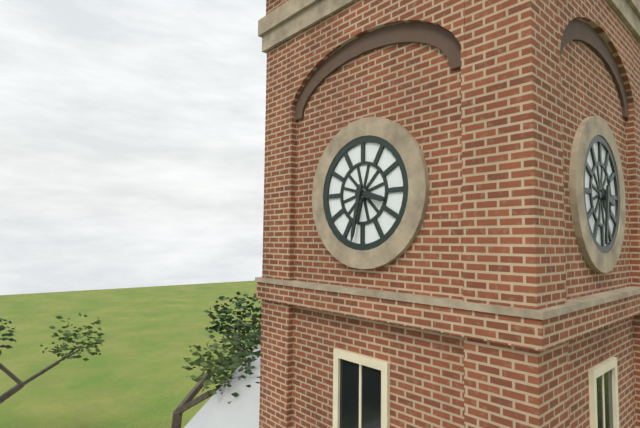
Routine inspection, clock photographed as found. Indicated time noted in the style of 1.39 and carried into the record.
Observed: 3.32
